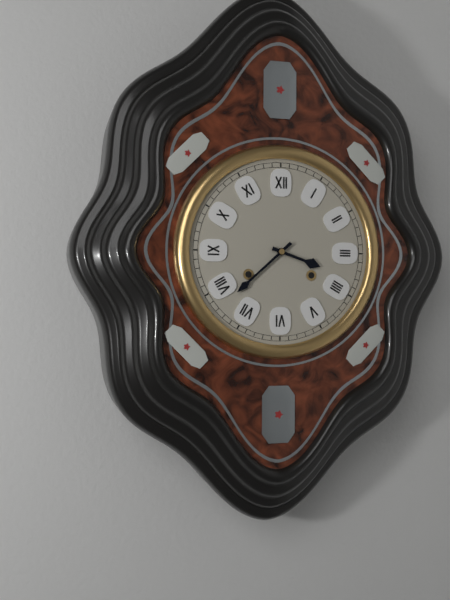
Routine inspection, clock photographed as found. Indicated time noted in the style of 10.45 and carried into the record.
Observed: 3.38
